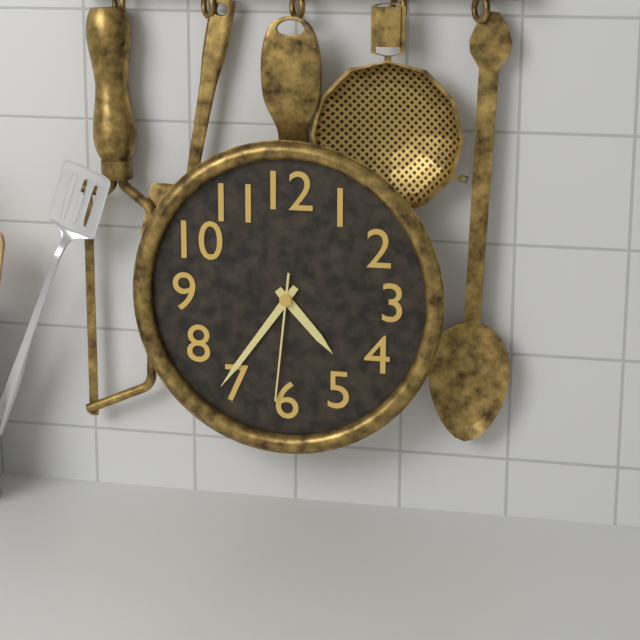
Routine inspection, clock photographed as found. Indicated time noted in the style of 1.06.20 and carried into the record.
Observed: 4.36.31
